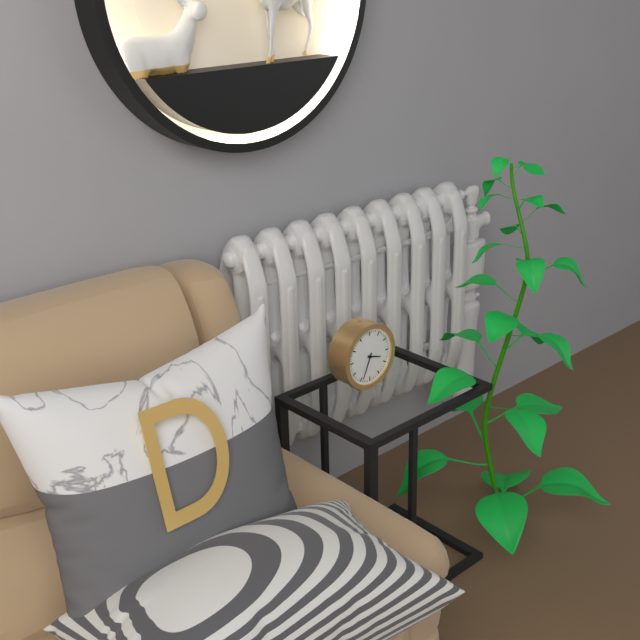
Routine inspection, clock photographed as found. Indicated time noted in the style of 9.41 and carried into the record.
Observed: 3.34
